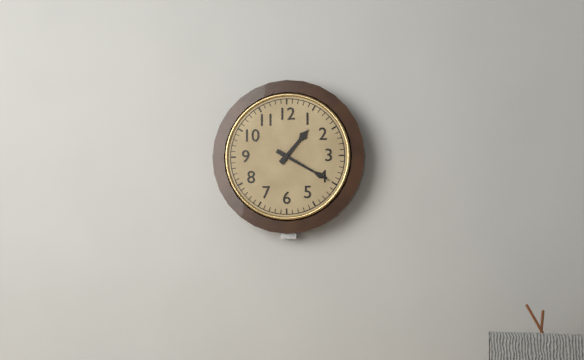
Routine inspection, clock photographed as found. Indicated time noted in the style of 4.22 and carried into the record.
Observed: 1.20
